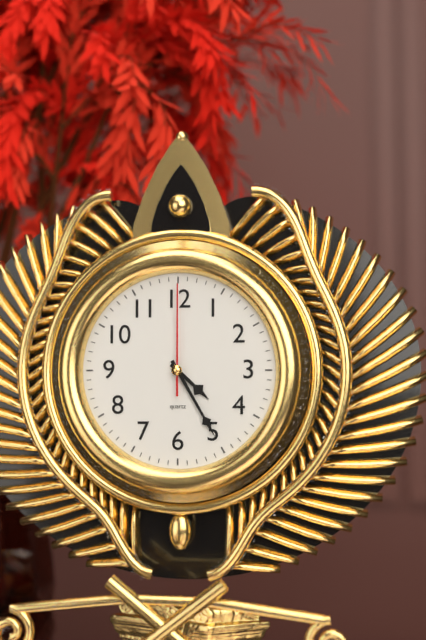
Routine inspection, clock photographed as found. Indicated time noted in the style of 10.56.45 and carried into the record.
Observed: 4.25.00
